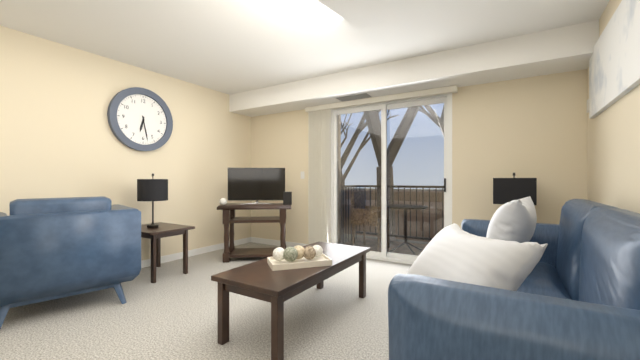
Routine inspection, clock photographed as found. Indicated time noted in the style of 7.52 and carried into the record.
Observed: 6.28
